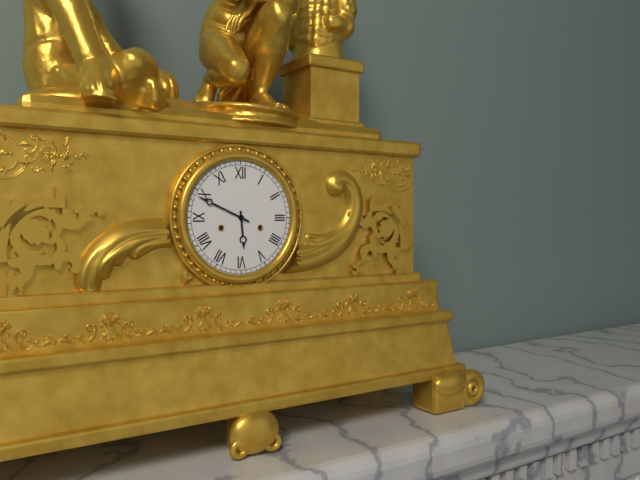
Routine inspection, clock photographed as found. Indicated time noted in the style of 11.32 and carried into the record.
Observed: 5.49
